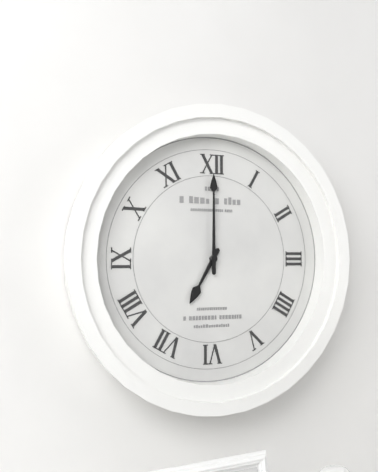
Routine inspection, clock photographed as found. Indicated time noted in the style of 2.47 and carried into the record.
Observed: 7.00
